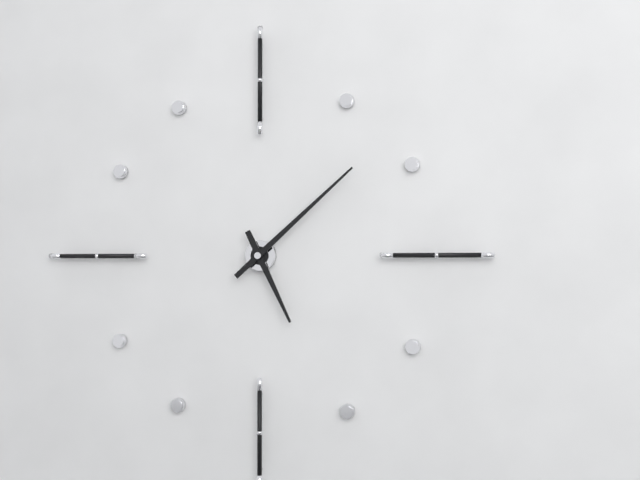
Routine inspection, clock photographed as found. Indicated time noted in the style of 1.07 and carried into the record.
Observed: 5.08
